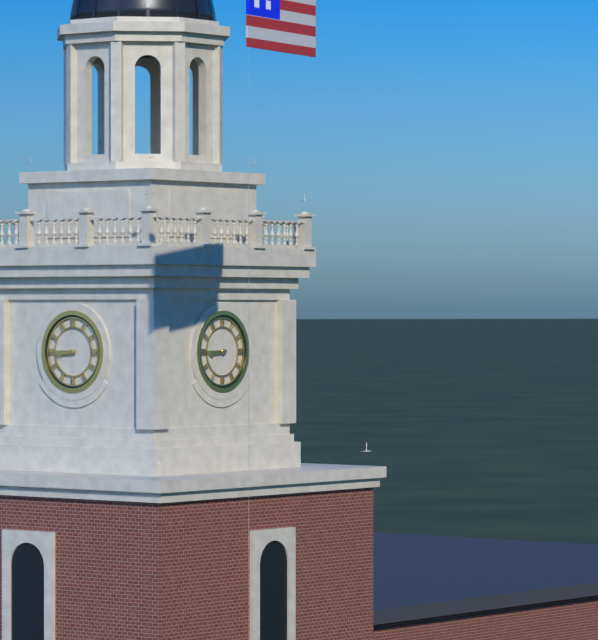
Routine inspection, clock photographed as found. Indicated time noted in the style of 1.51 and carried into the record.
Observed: 8.45
